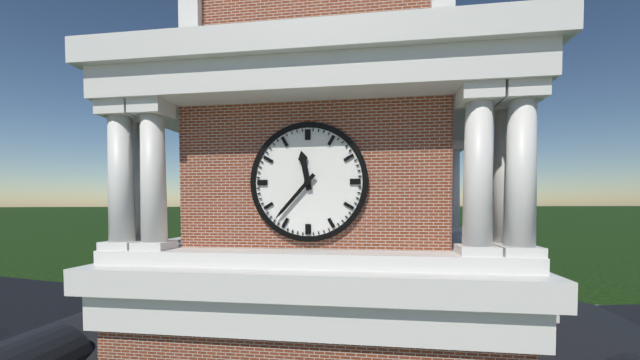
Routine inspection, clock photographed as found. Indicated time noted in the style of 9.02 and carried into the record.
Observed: 11.37
